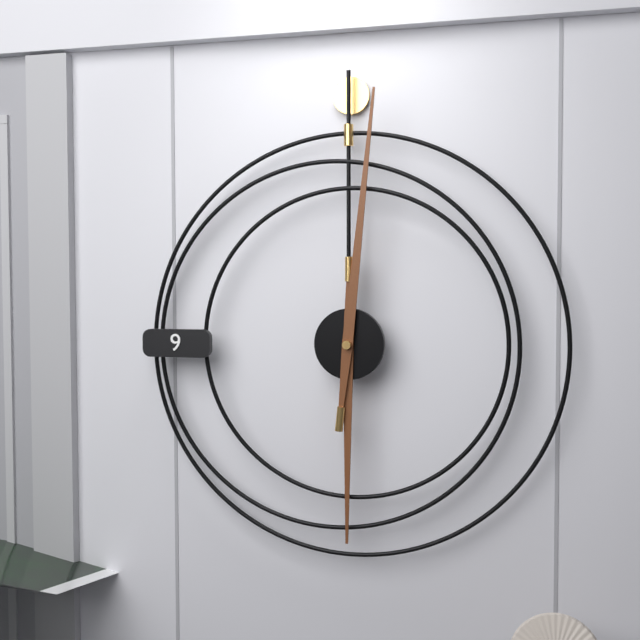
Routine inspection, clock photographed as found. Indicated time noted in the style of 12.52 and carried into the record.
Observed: 6.01
